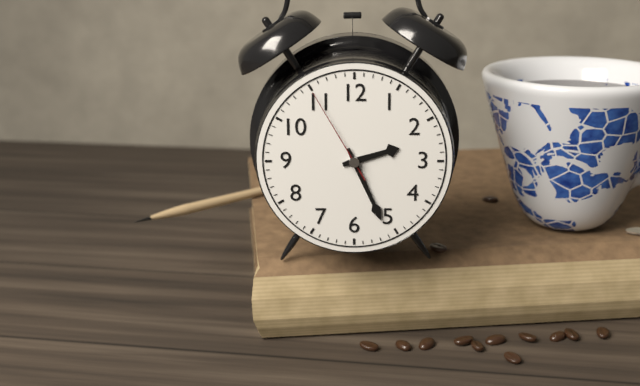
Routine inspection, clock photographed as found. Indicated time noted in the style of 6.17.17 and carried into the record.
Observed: 2.26.55
